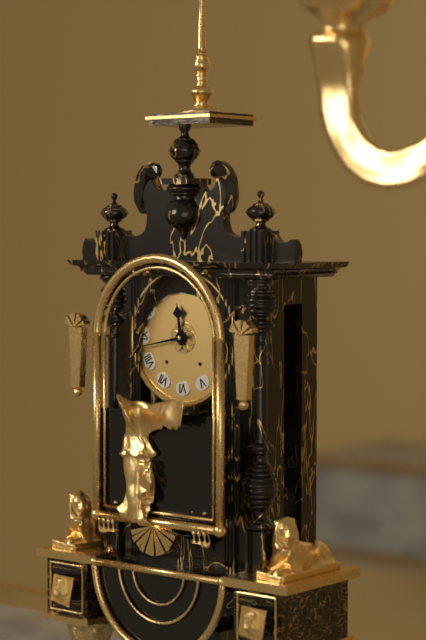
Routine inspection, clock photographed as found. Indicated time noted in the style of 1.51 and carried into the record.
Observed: 11.43
